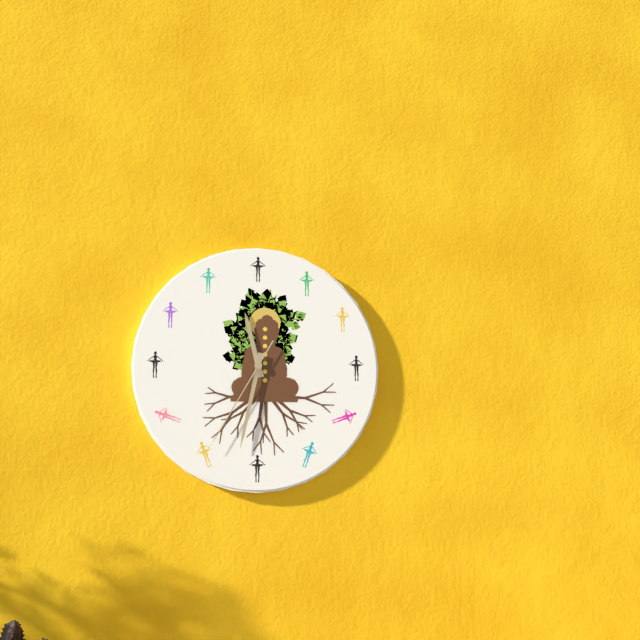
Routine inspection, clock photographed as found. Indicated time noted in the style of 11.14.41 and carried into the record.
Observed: 11.32.35
